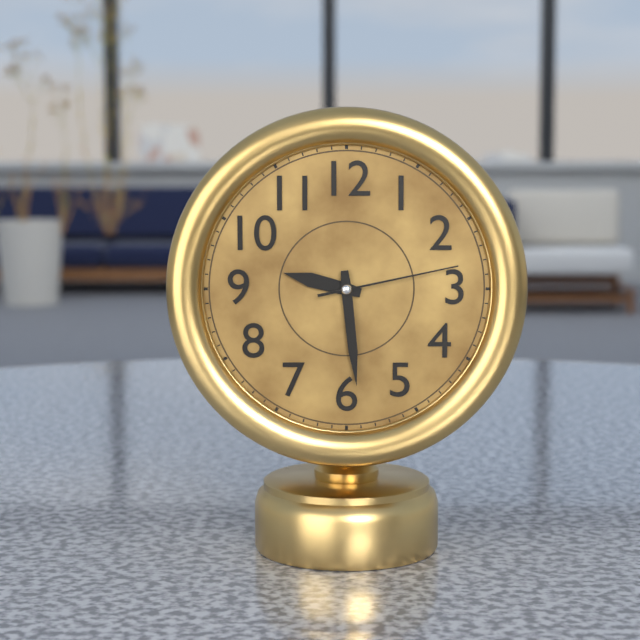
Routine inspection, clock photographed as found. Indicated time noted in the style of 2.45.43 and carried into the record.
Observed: 9.29.13
